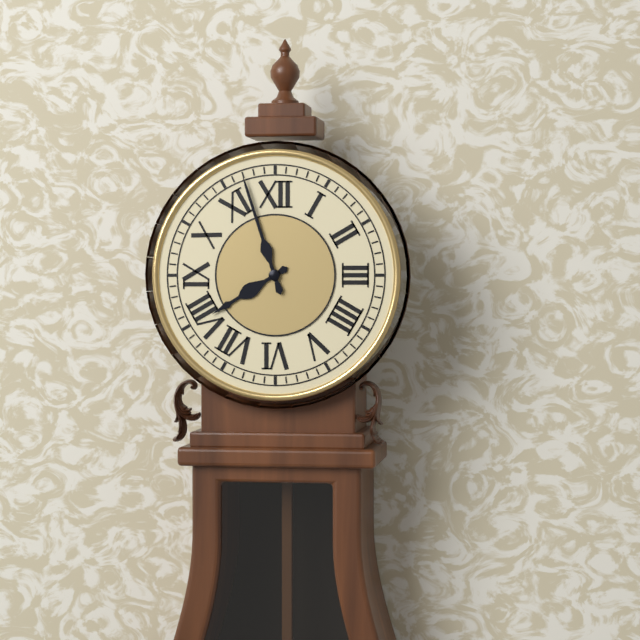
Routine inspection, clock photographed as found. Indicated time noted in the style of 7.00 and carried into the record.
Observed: 7.57
